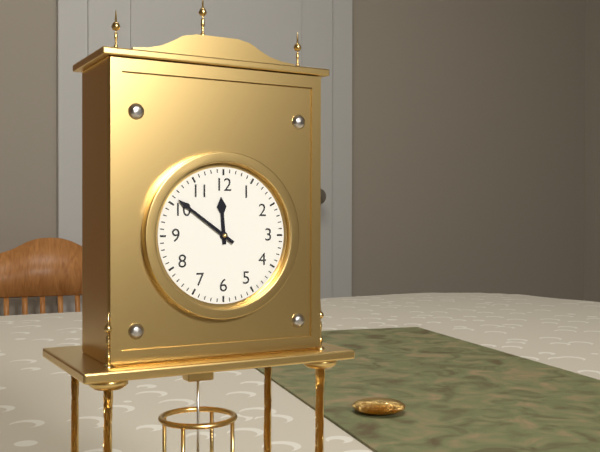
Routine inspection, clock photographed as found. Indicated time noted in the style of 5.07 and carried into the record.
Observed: 11.51
